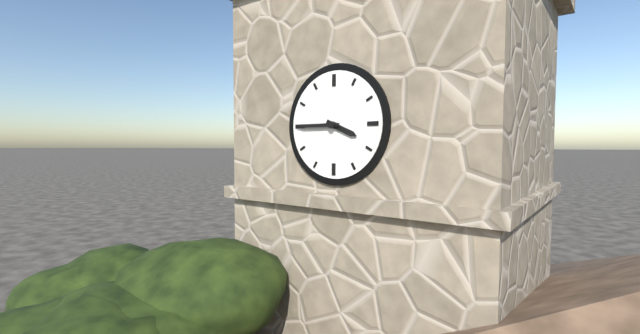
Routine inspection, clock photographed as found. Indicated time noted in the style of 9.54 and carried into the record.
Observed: 3.45
